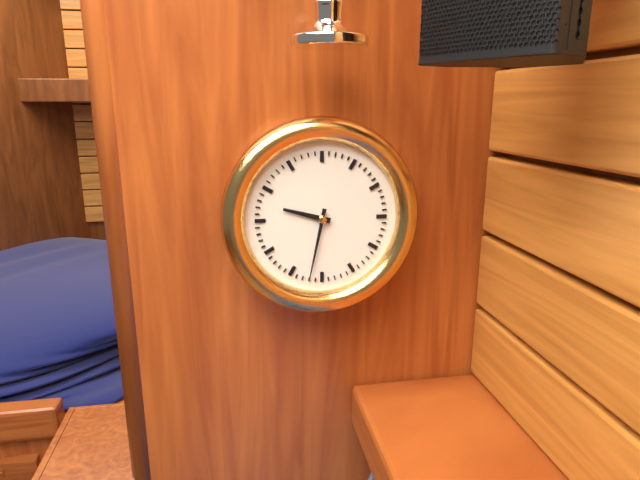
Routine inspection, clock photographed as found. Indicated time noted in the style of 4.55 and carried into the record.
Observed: 9.32
